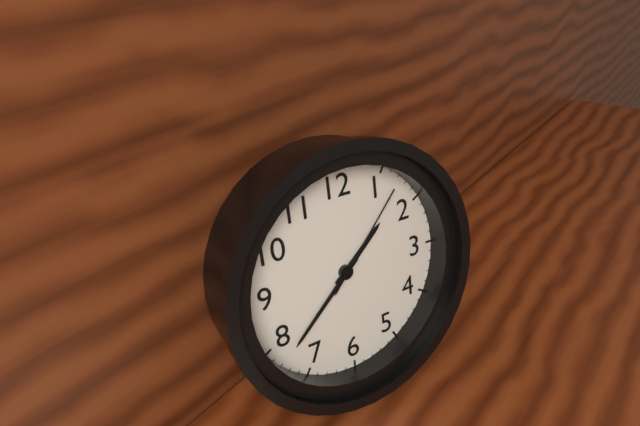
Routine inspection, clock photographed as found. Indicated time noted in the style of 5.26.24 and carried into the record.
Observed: 1.38.07
